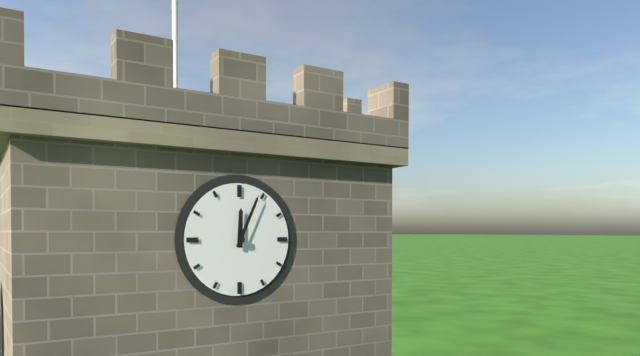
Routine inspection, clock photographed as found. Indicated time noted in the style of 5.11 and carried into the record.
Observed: 12.04
